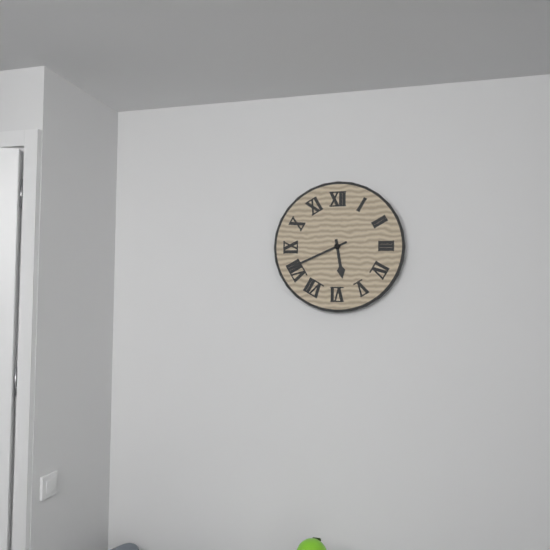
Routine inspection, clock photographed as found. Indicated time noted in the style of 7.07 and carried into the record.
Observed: 5.41
